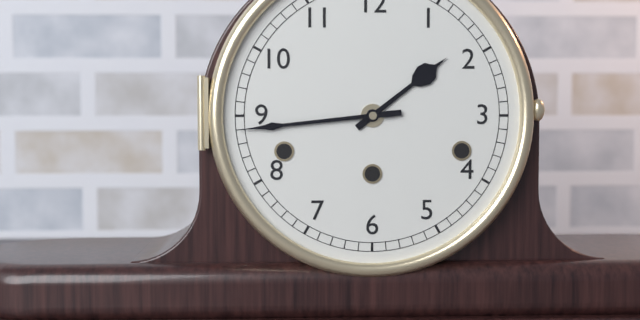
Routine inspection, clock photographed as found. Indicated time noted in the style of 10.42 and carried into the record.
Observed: 1.44
